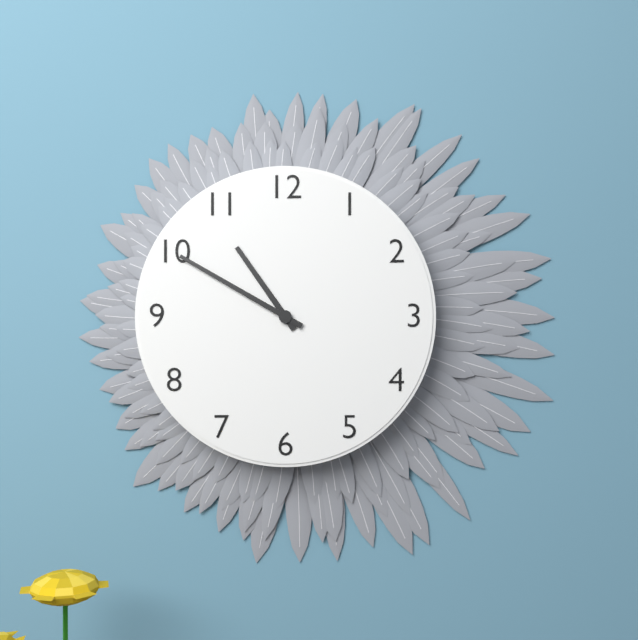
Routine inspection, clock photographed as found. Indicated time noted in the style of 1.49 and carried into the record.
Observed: 10.50
